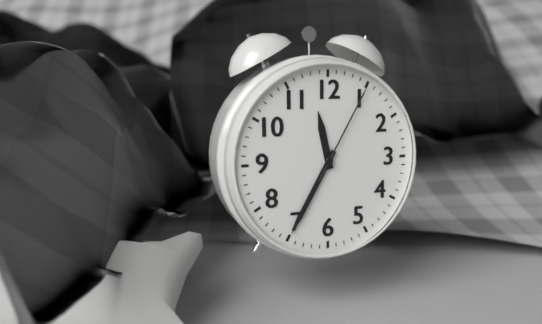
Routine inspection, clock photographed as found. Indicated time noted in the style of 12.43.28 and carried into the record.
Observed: 11.35.05
